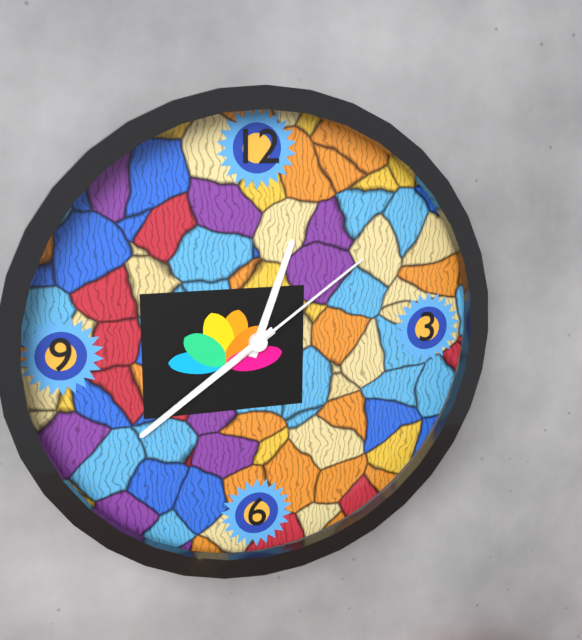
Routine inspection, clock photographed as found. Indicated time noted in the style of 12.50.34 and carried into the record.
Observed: 12.39.09
